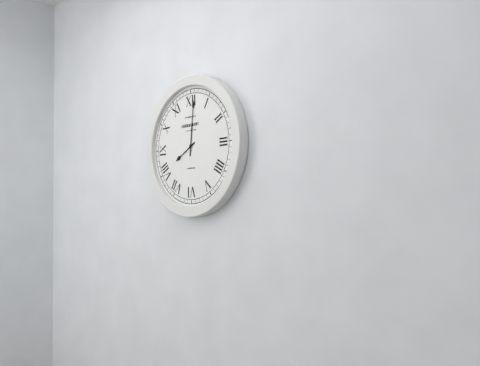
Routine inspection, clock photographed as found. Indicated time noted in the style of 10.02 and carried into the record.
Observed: 8.01
